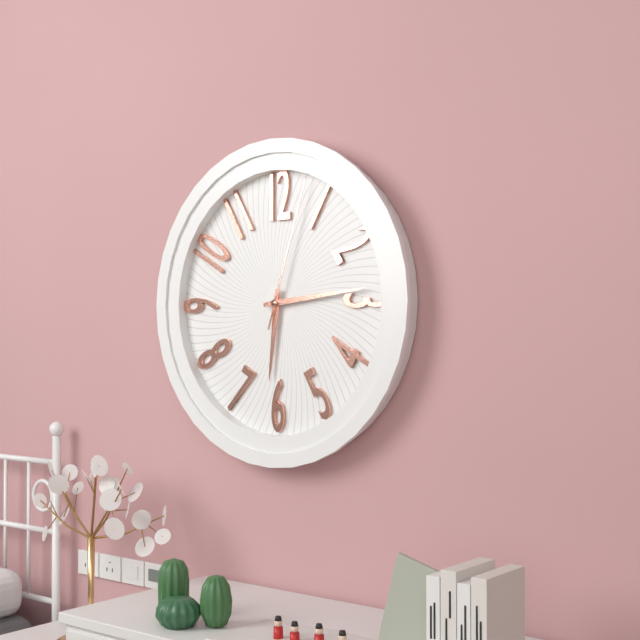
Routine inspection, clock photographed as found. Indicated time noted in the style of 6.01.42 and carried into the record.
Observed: 6.14.03
